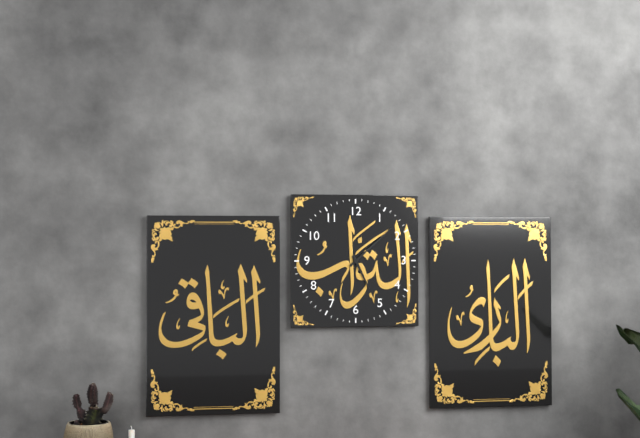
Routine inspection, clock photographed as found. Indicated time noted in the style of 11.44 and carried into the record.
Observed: 5.08
